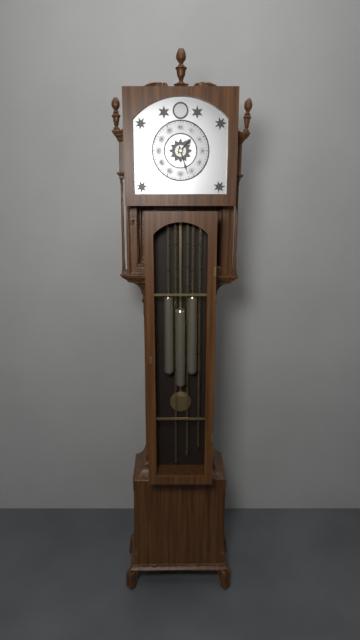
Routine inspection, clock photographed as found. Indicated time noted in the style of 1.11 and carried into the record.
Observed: 1.27
